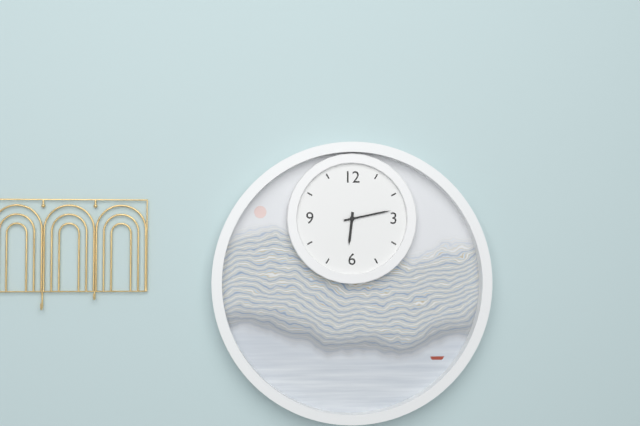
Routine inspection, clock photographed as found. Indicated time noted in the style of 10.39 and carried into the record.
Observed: 6.13
